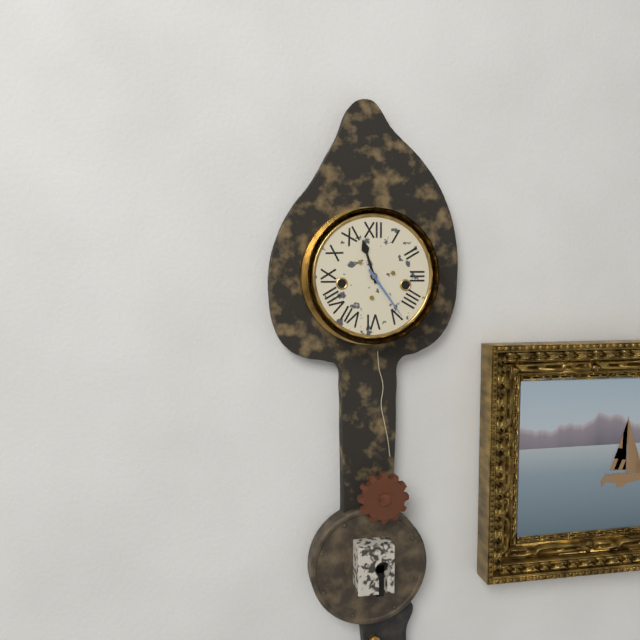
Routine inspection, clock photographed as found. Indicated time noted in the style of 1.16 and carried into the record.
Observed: 11.24
